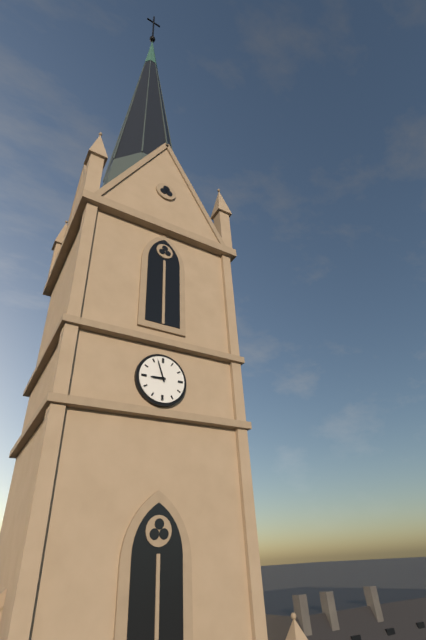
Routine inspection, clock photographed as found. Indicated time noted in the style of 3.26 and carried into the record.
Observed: 8.57
